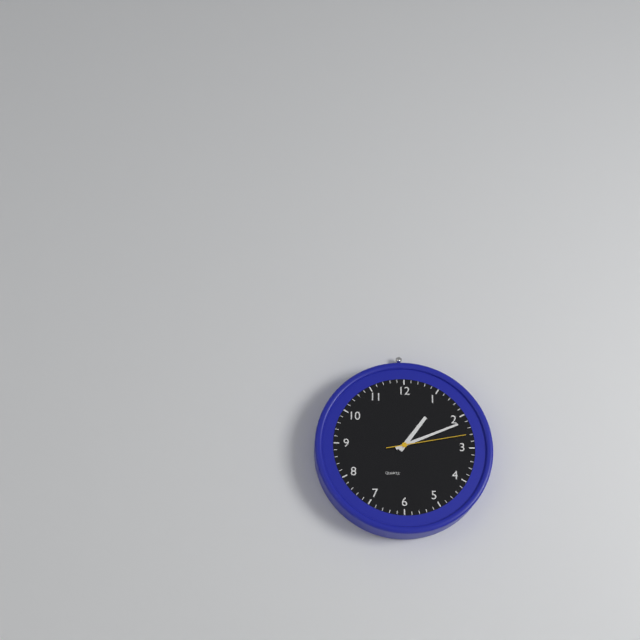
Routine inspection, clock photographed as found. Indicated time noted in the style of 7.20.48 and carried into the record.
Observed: 1.11.13
